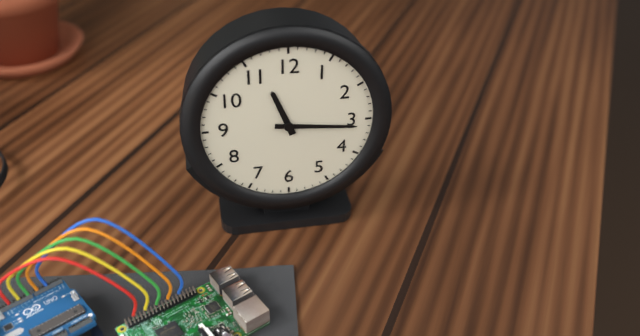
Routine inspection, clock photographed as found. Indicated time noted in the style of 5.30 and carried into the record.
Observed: 11.16
